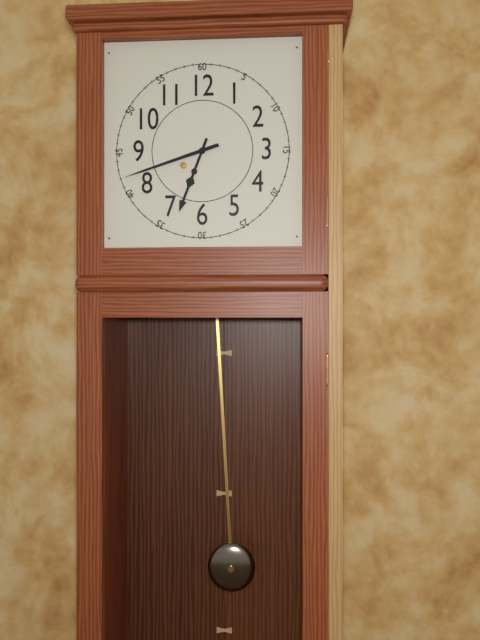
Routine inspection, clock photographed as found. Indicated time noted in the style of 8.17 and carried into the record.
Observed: 6.42
